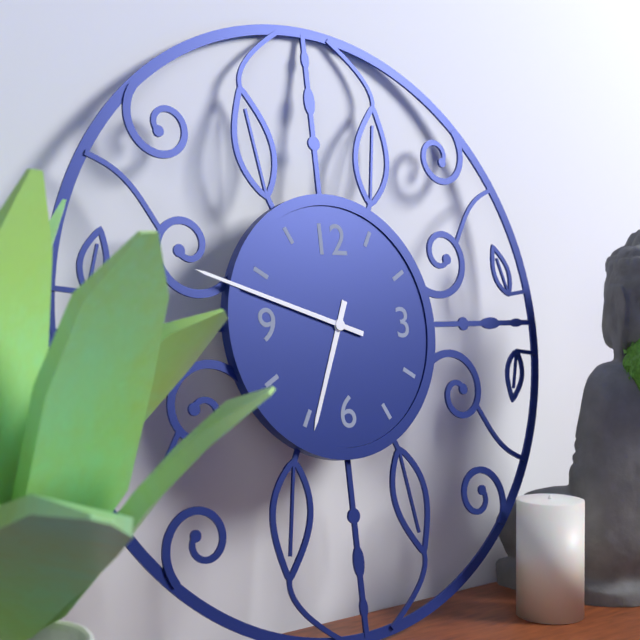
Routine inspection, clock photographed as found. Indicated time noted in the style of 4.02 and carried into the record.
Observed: 6.48
